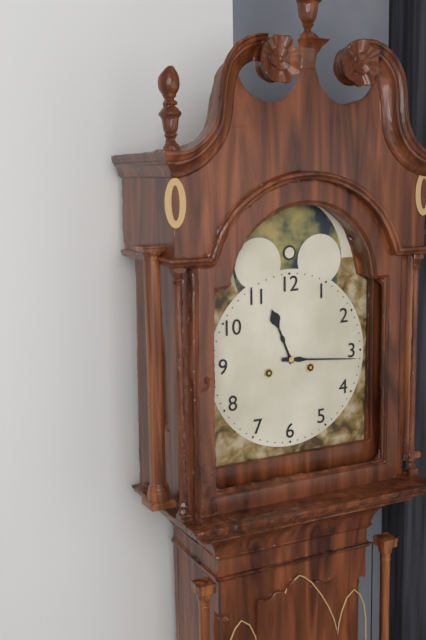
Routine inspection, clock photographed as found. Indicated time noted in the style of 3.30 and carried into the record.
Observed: 11.16
